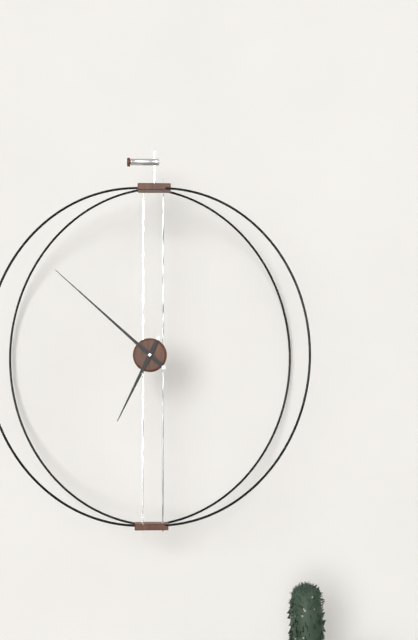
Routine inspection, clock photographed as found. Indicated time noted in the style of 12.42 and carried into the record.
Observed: 6.52
